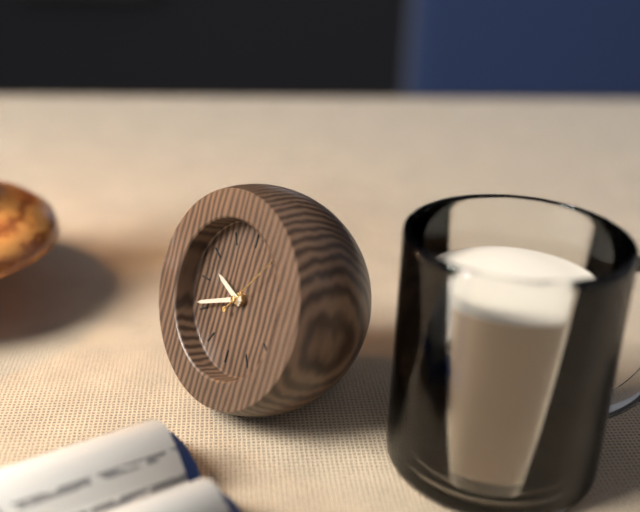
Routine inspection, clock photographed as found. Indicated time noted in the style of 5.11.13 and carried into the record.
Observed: 9.41.06
